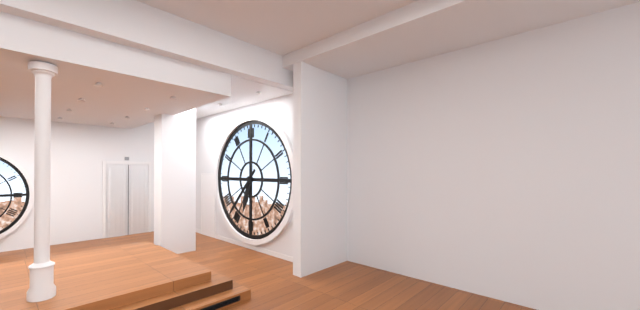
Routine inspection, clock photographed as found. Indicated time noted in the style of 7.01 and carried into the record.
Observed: 6.37
